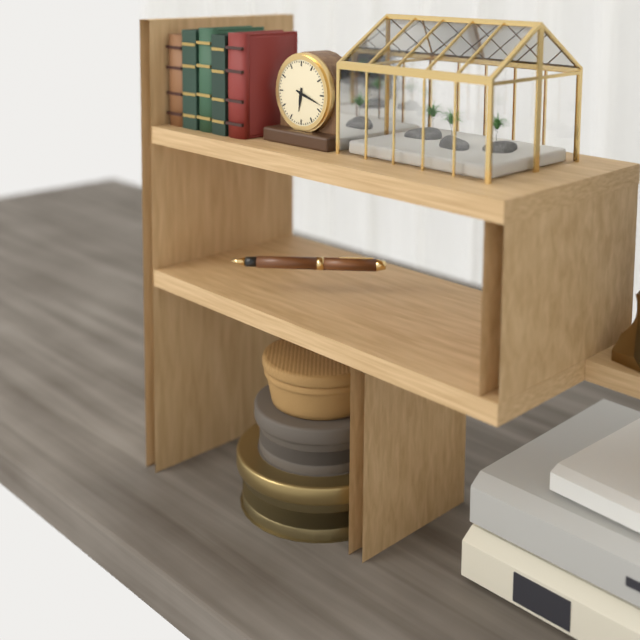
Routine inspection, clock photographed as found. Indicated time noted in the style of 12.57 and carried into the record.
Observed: 6.18
